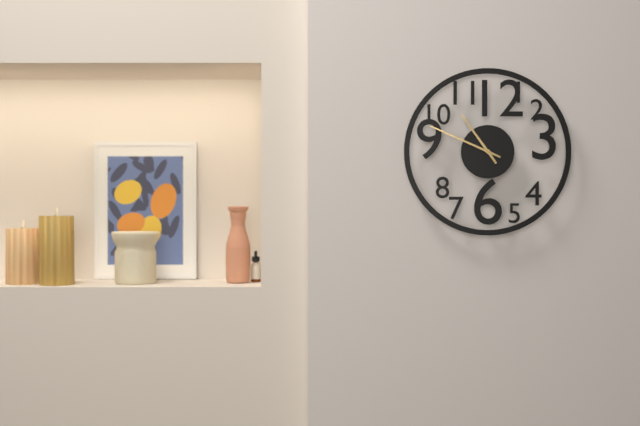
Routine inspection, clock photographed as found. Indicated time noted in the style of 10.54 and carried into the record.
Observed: 10.49
